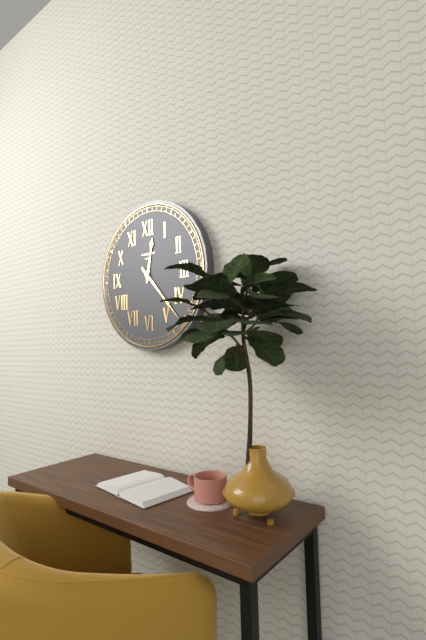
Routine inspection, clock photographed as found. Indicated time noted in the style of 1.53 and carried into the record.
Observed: 12.23
